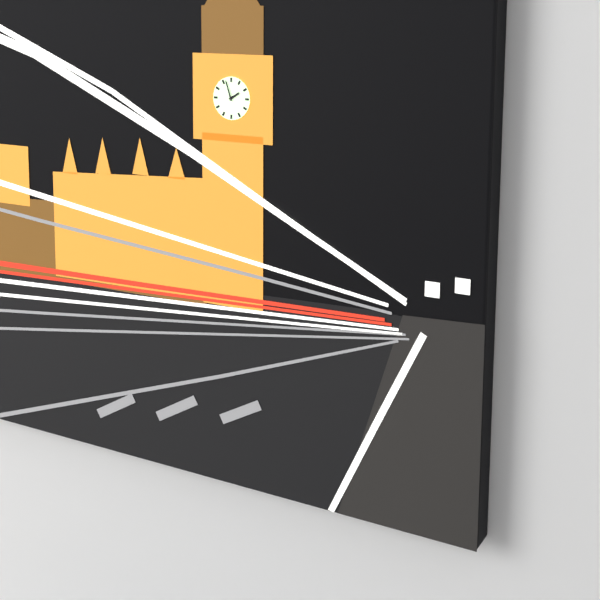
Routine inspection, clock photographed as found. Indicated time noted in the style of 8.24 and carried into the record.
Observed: 1.57
